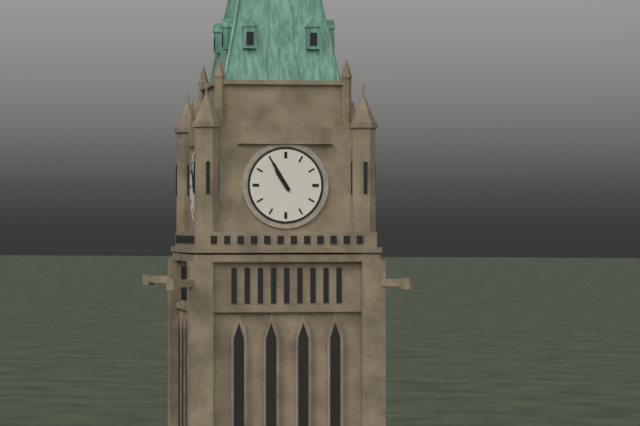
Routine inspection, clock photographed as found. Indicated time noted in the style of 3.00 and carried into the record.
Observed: 10.55
